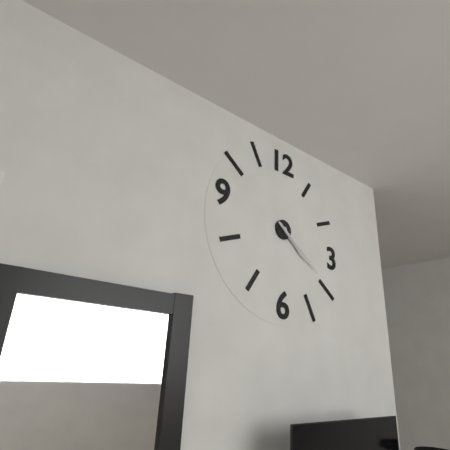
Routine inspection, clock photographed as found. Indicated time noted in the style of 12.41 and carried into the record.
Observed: 4.21
